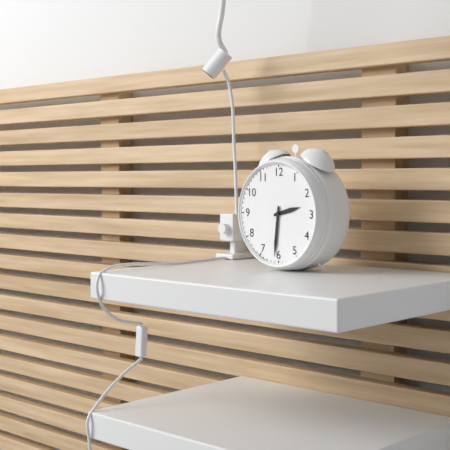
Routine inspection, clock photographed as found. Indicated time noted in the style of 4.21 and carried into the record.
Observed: 2.31
